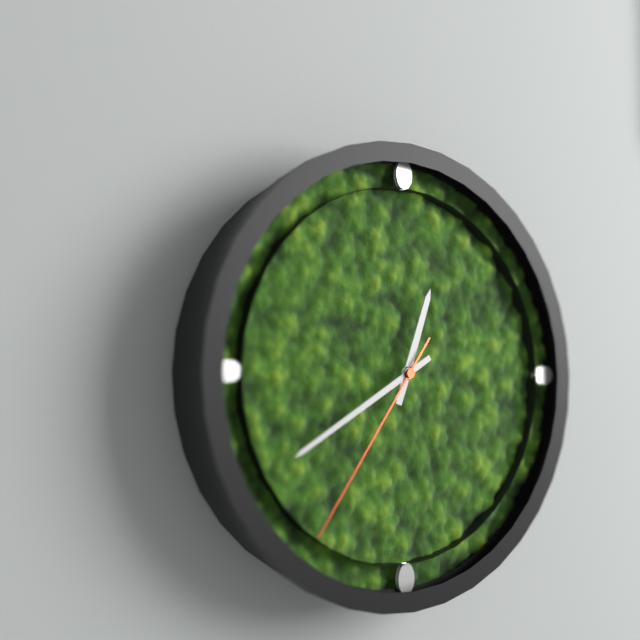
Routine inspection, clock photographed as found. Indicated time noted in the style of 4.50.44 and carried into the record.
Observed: 12.40.36
